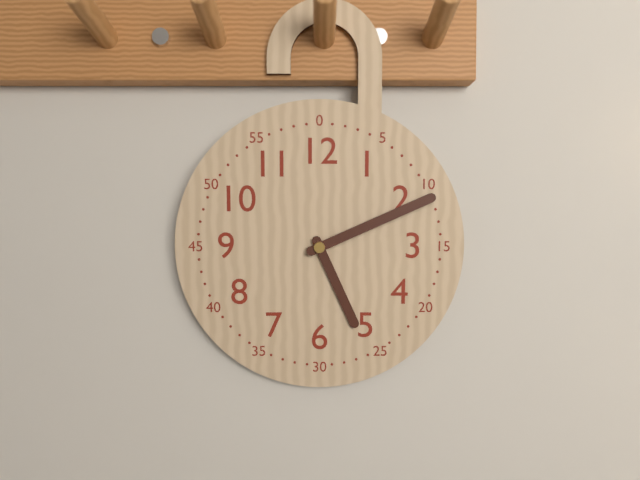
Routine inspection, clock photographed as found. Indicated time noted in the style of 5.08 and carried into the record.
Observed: 5.11
